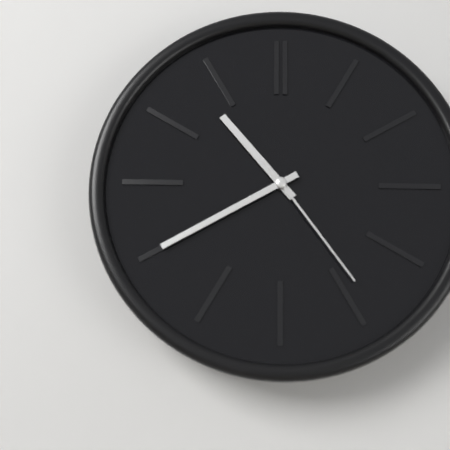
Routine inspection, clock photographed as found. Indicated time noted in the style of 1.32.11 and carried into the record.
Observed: 10.40.24
